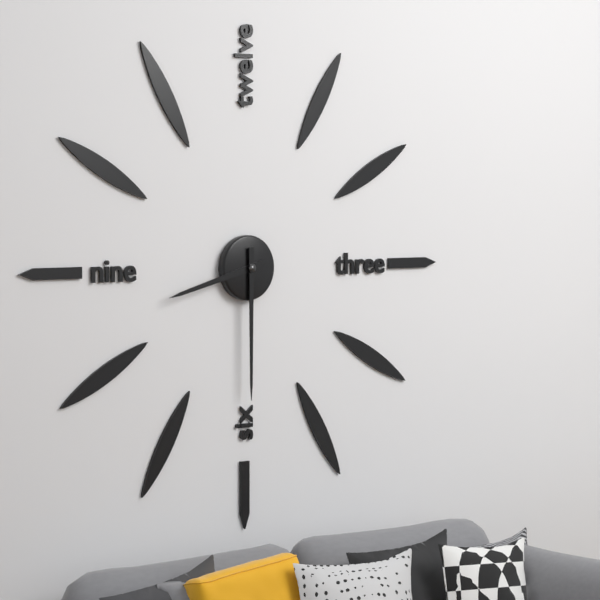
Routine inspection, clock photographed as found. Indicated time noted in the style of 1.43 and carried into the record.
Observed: 8.30
